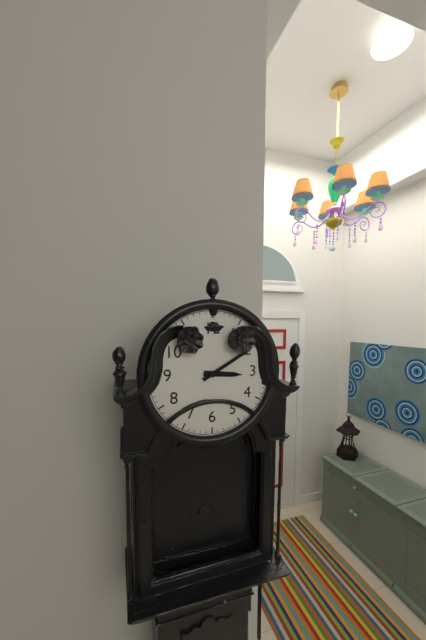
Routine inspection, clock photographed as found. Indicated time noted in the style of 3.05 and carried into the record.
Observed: 3.10
